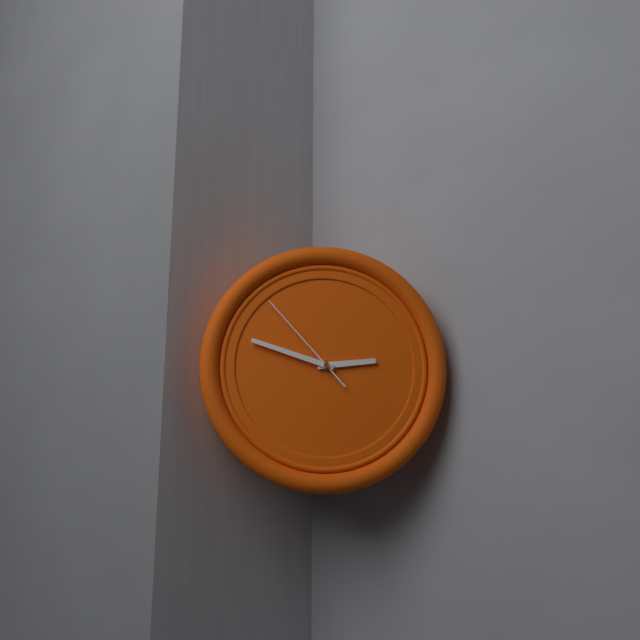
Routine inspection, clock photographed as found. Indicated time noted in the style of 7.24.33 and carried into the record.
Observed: 2.48.53
